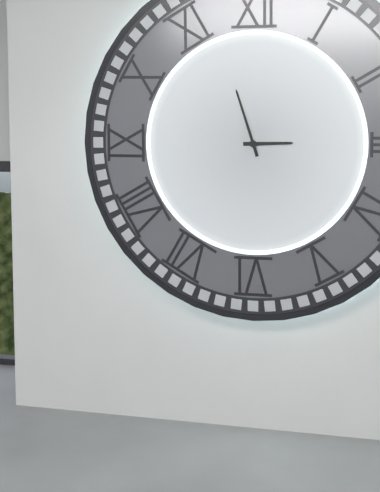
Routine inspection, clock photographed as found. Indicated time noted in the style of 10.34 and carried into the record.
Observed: 2.57
